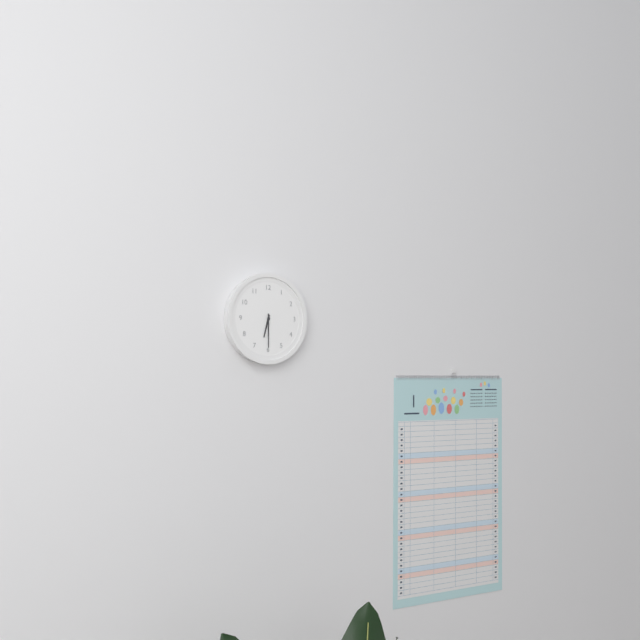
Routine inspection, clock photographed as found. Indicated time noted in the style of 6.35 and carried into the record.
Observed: 6.30
